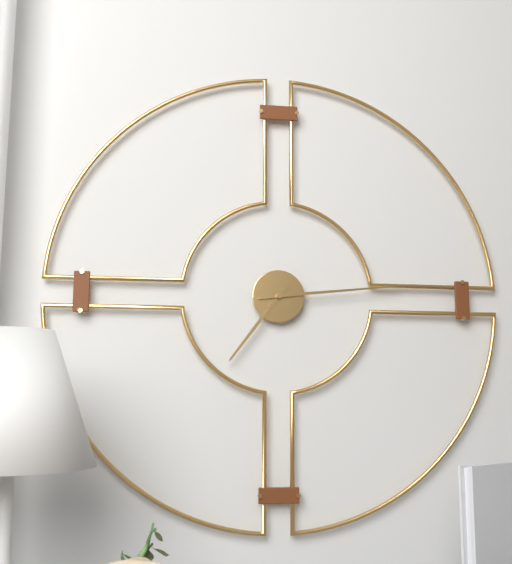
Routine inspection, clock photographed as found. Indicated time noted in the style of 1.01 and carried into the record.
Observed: 7.14
